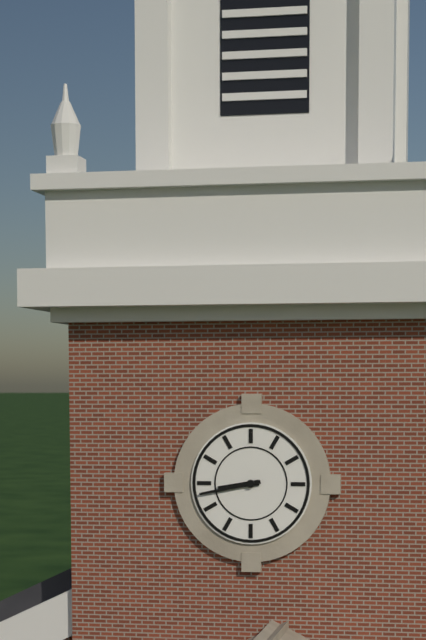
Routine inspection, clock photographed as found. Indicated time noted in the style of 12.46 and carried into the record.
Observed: 8.43
